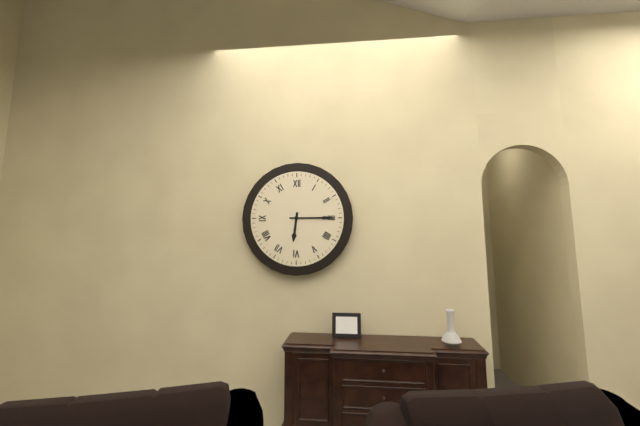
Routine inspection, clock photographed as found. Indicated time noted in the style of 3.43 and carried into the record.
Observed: 6.15
